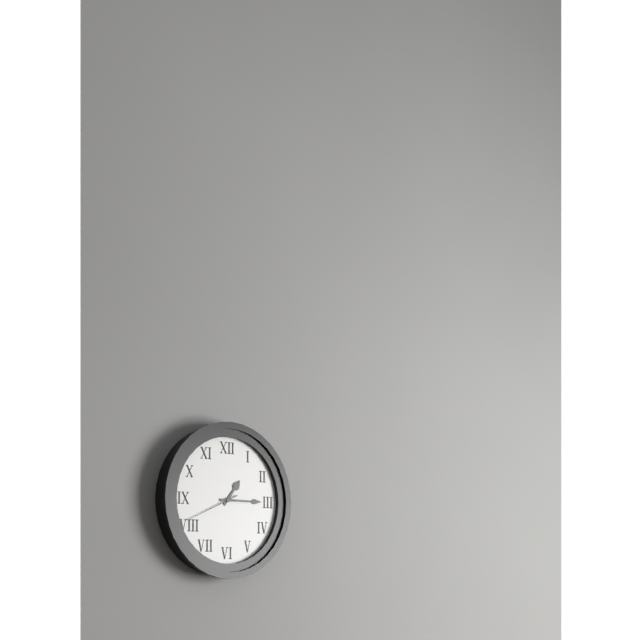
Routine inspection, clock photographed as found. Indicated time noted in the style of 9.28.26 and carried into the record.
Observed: 1.15.41
